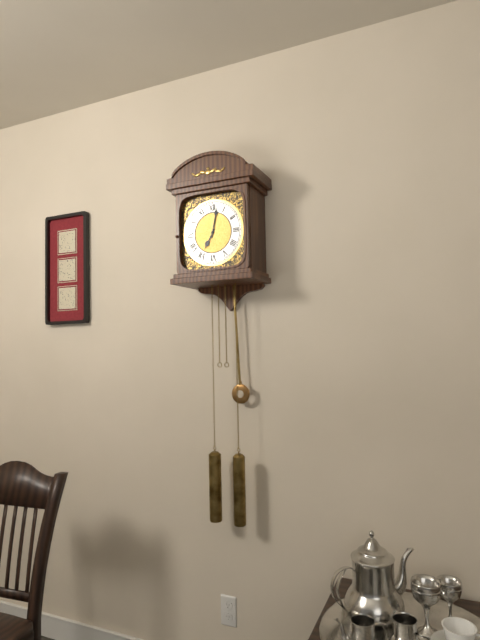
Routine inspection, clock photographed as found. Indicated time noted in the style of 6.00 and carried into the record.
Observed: 7.02
